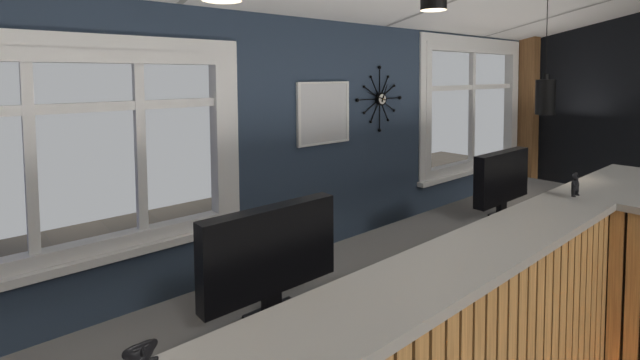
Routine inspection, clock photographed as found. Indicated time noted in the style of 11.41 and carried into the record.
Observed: 12.48
